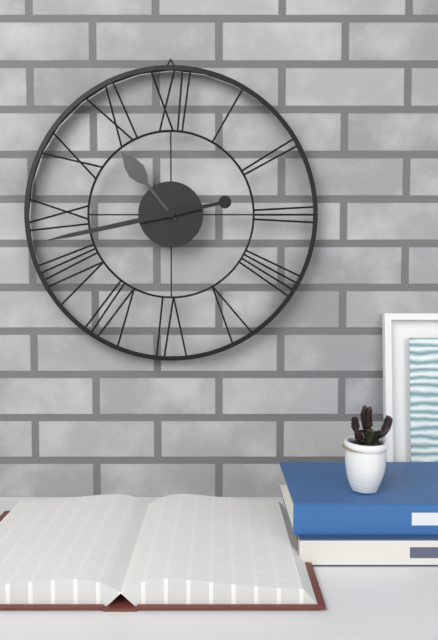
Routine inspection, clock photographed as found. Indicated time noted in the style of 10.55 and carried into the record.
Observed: 10.43
